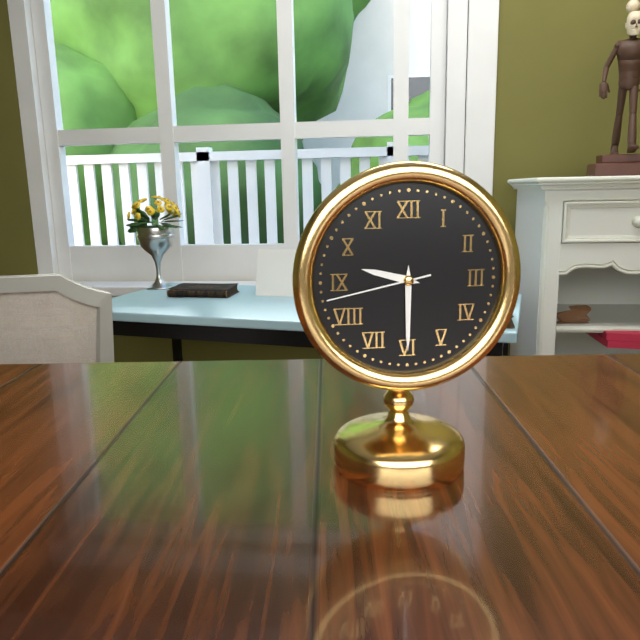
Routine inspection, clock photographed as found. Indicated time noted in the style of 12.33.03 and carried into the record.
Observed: 9.30.43
